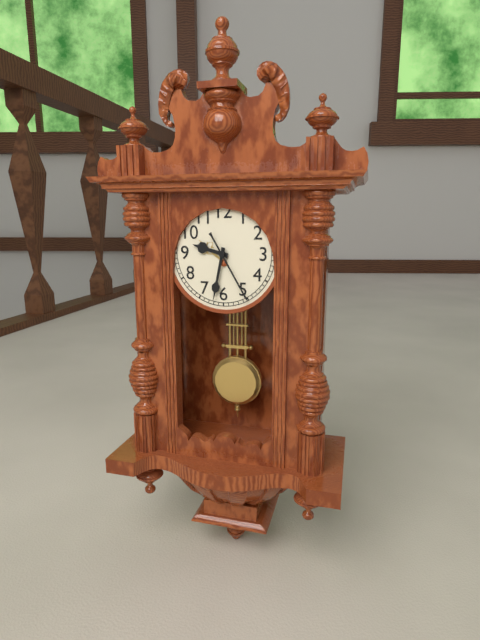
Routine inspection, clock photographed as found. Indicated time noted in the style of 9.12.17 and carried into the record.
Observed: 9.32.25
